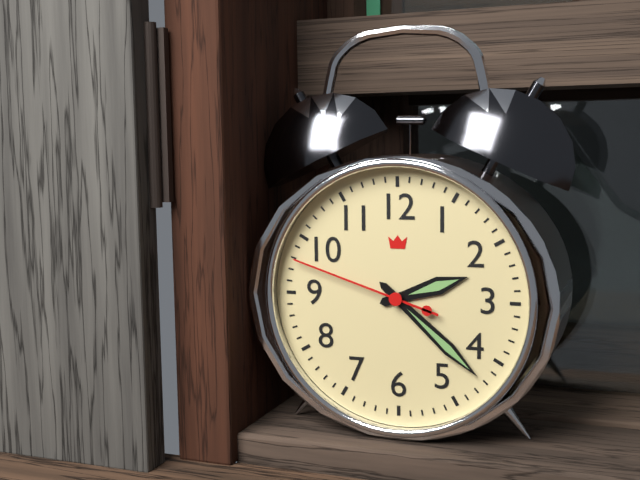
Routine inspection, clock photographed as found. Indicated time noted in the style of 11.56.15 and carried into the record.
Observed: 2.22.48
